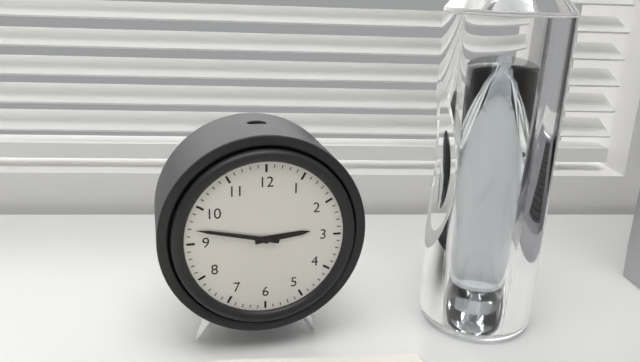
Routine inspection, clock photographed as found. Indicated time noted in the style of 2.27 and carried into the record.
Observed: 2.47
